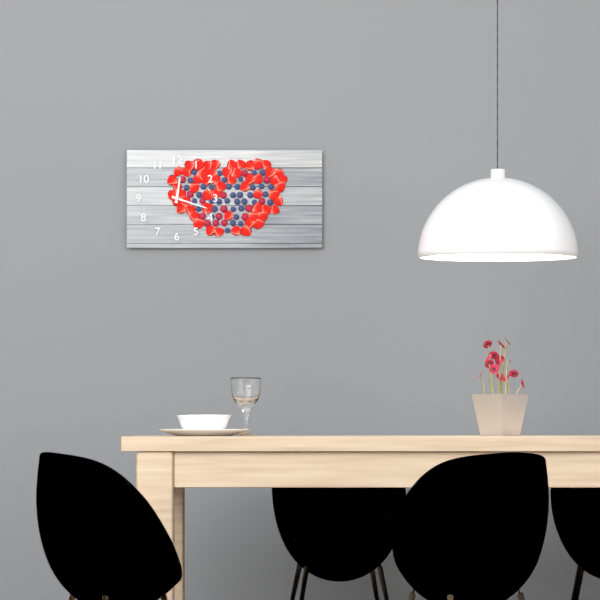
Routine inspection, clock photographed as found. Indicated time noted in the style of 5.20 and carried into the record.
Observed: 12.18
